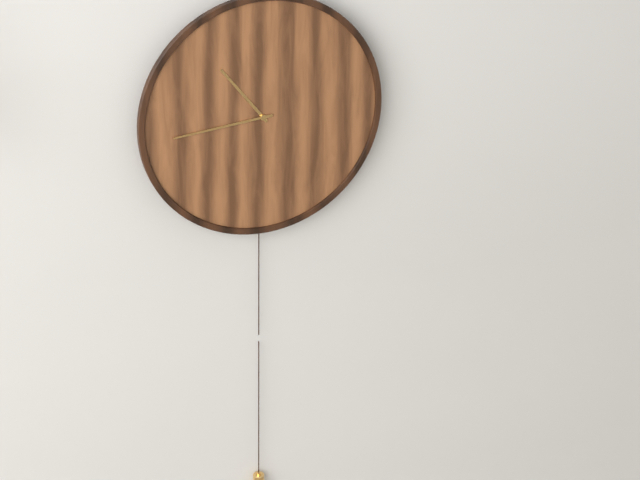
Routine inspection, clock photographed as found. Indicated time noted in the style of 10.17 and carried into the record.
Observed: 10.44
